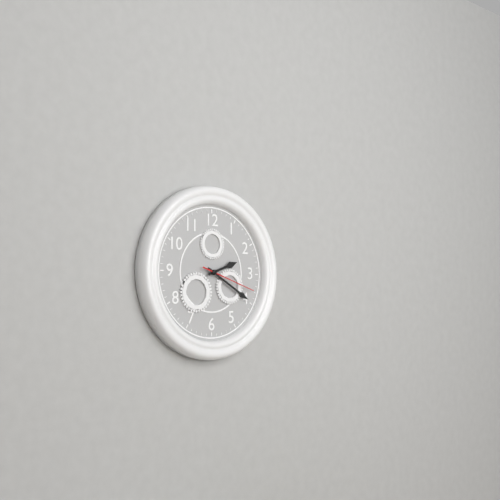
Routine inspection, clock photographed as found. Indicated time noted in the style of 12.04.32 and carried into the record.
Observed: 2.20.18
